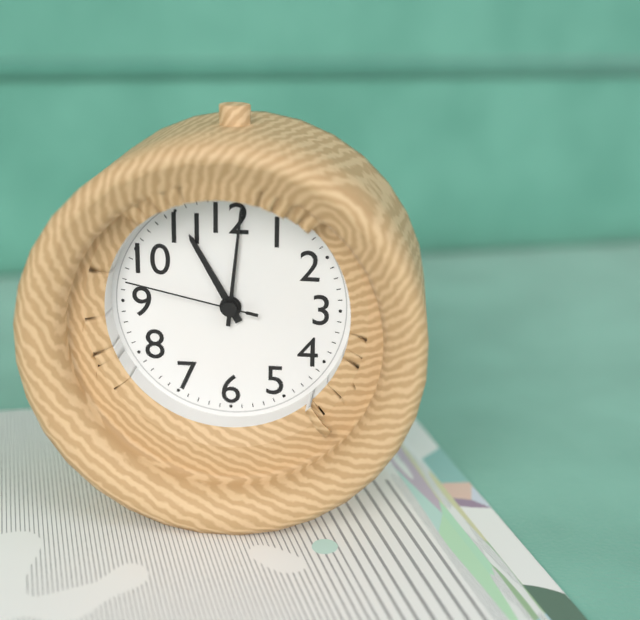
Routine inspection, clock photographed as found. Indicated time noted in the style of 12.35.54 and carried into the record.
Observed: 11.01.47
